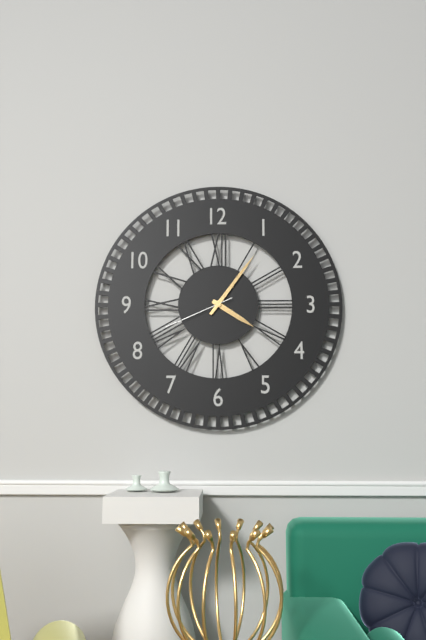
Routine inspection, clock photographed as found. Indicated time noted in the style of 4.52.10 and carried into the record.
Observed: 4.06.41
